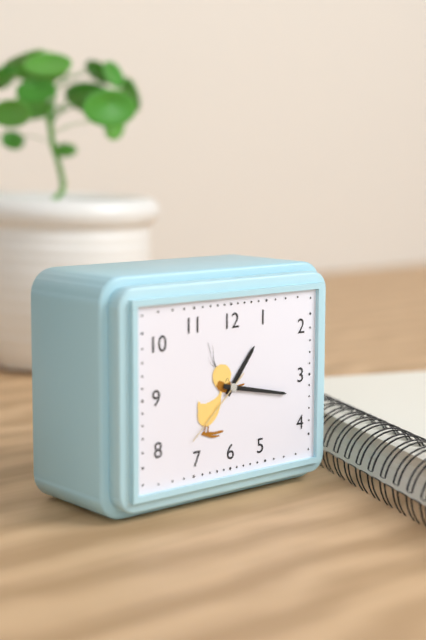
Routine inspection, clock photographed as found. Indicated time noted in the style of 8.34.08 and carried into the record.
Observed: 1.17.38
